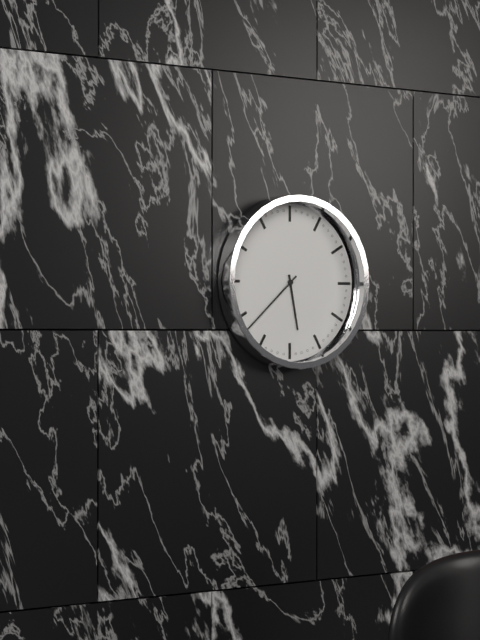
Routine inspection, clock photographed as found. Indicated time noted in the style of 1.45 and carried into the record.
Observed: 5.38
